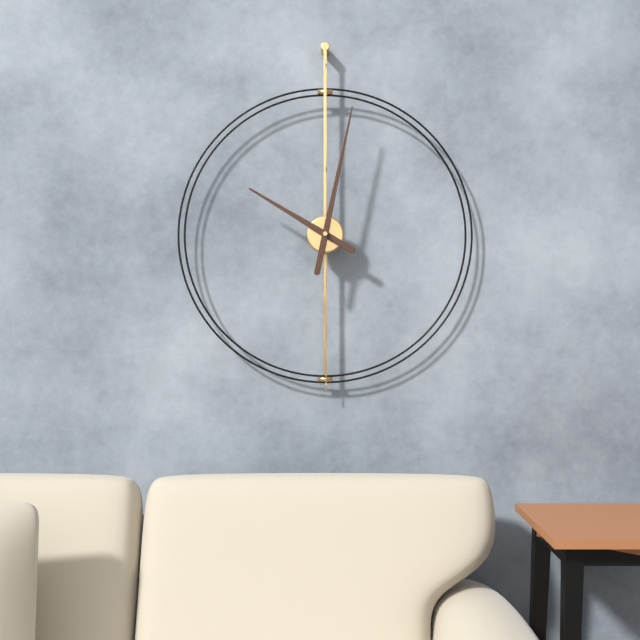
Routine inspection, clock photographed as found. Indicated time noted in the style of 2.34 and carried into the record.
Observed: 10.02
